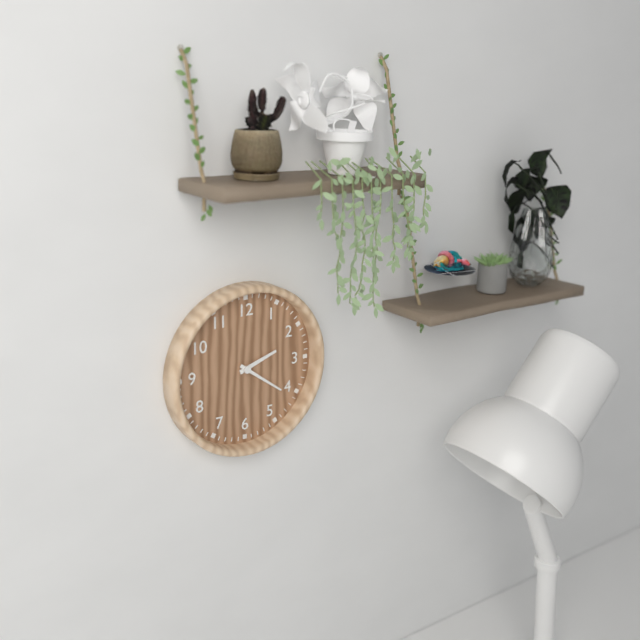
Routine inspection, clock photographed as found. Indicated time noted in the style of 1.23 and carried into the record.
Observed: 2.21
